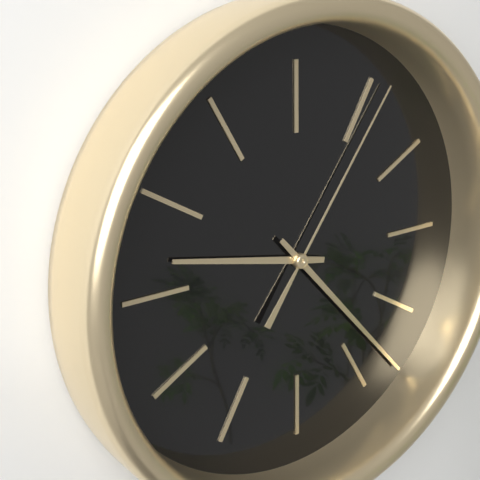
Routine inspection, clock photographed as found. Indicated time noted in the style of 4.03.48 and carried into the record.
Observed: 9.23.06
